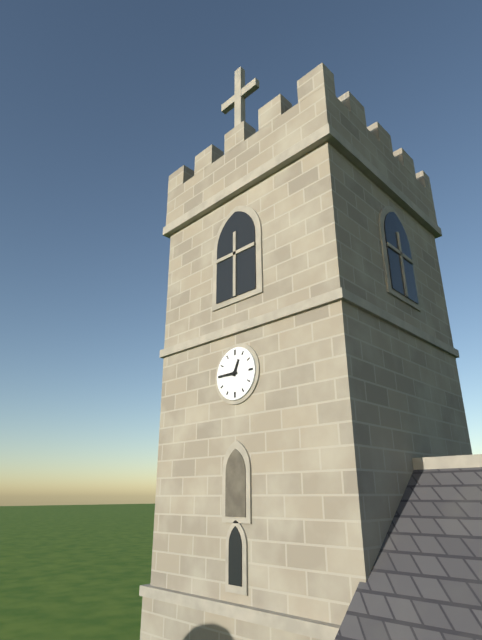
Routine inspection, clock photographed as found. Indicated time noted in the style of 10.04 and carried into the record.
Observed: 12.45
